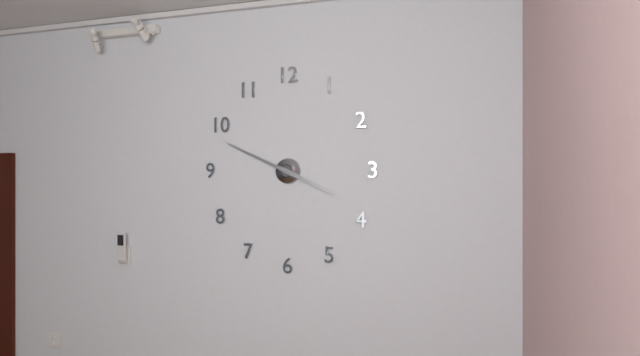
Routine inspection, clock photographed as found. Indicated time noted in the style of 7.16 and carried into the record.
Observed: 3.49
